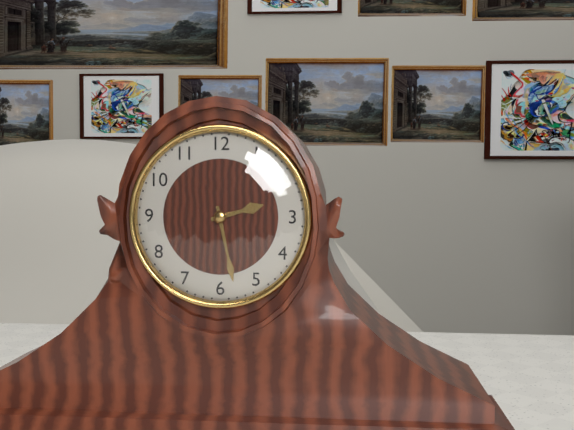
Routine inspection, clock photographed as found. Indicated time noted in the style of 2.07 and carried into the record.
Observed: 2.28
